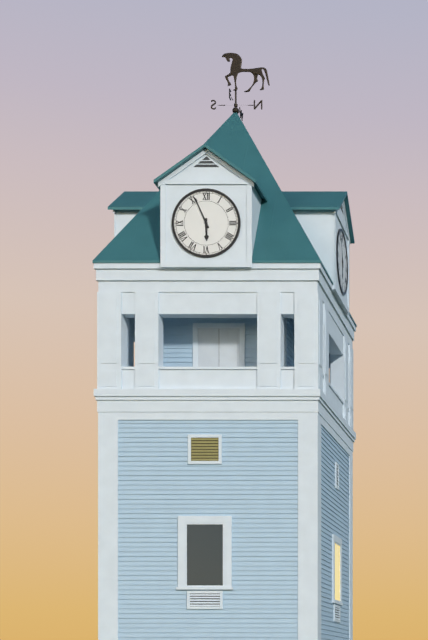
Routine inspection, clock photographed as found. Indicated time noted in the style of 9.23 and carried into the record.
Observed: 5.56
